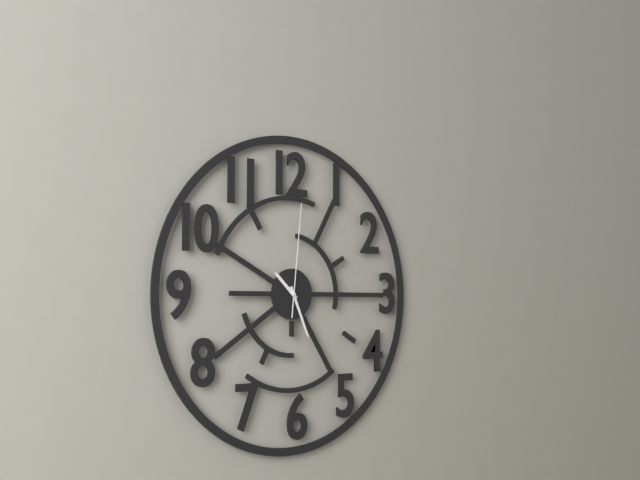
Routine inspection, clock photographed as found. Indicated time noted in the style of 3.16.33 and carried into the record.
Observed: 10.26.01
